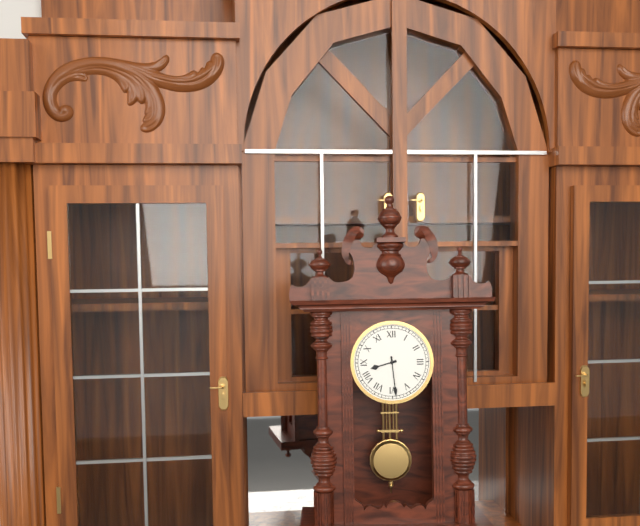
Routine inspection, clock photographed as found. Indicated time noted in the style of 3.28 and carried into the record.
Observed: 8.29
